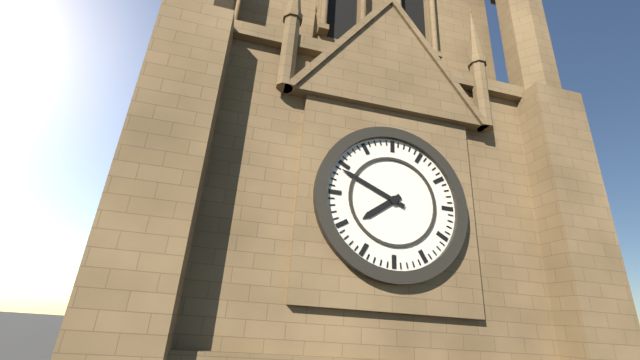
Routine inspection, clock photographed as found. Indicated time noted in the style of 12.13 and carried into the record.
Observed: 7.49
